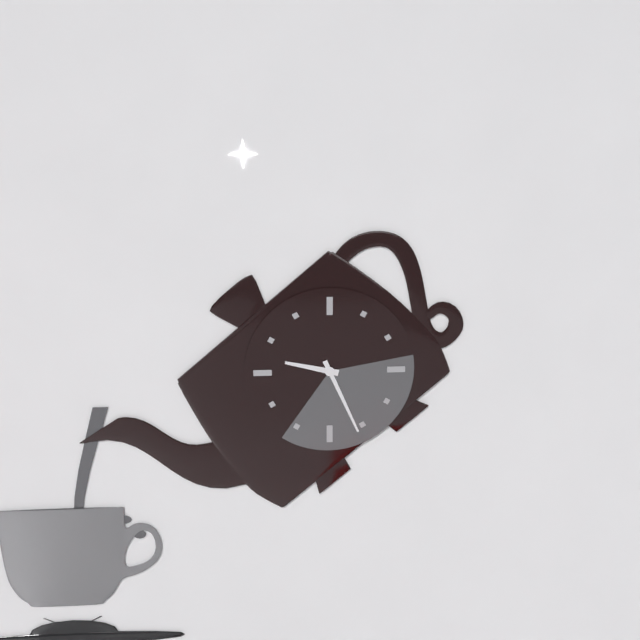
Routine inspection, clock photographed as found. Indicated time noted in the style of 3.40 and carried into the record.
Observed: 9.26
